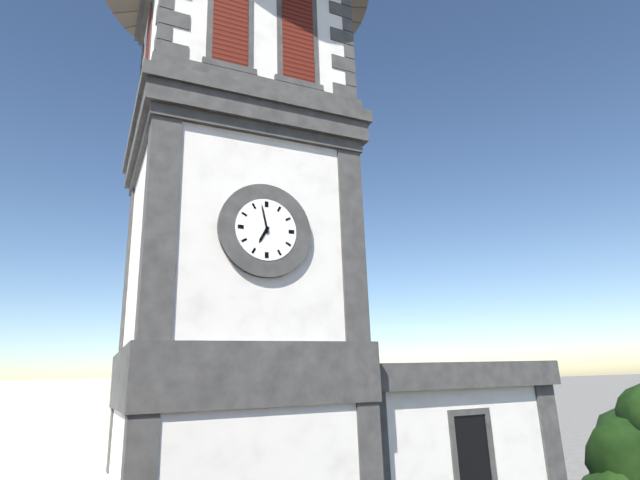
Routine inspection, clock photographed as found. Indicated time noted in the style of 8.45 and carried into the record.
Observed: 6.58
